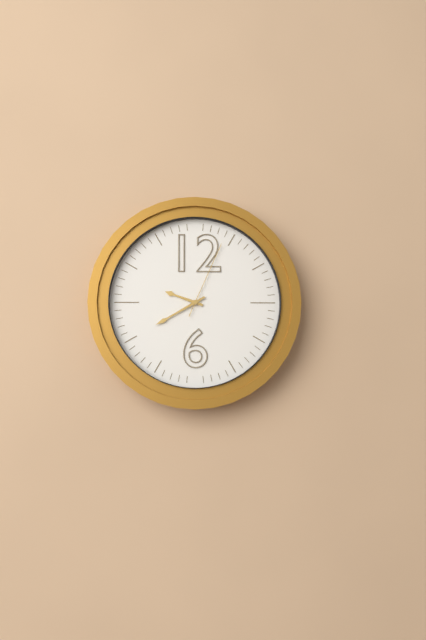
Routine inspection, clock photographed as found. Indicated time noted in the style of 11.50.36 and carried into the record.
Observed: 9.40.04
